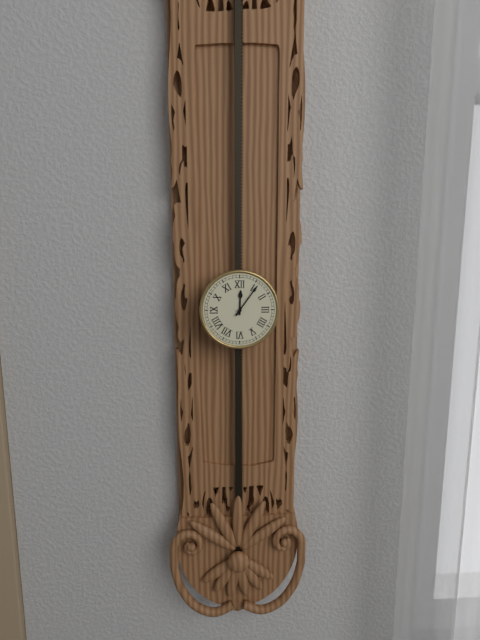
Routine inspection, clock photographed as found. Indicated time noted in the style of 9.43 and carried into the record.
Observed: 12.06
